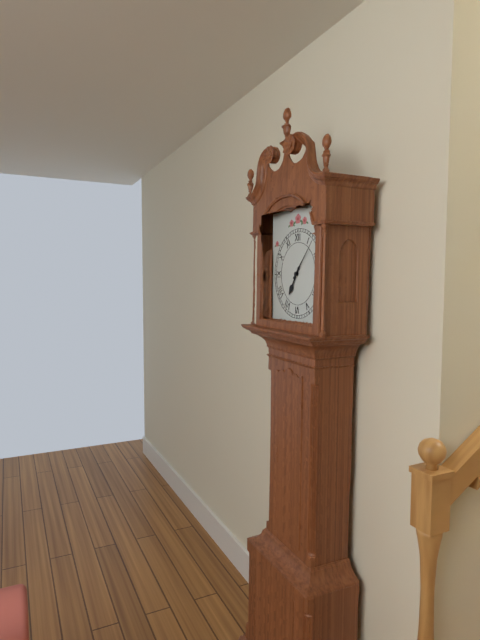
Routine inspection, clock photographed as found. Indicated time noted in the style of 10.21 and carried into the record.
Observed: 7.07
